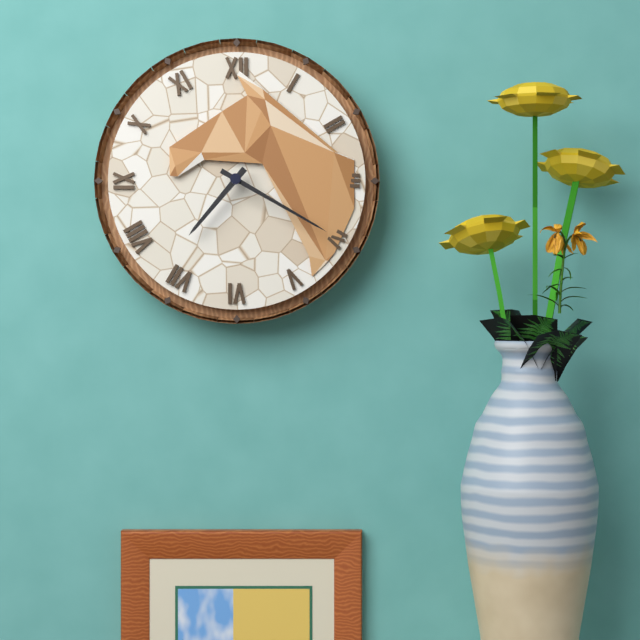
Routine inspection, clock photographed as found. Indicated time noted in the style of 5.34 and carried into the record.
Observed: 7.20
